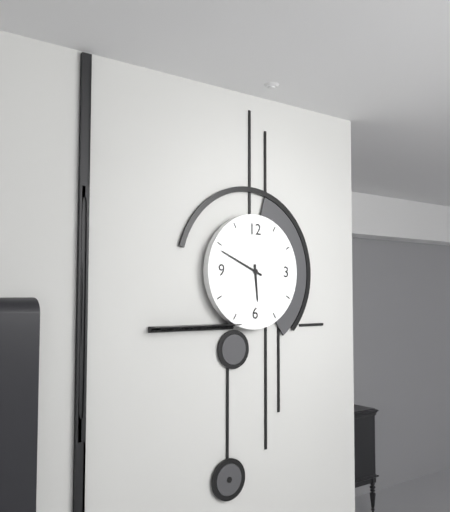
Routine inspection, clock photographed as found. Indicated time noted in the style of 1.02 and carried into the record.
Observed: 5.49
